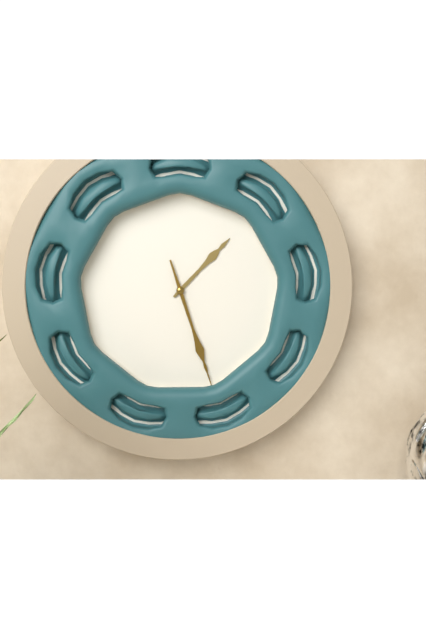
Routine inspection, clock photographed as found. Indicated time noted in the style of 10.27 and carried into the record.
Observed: 1.27
